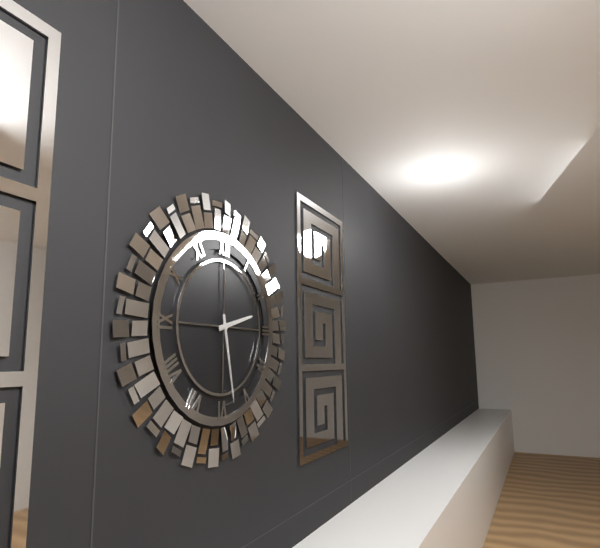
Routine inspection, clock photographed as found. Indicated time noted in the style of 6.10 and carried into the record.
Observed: 2.28
